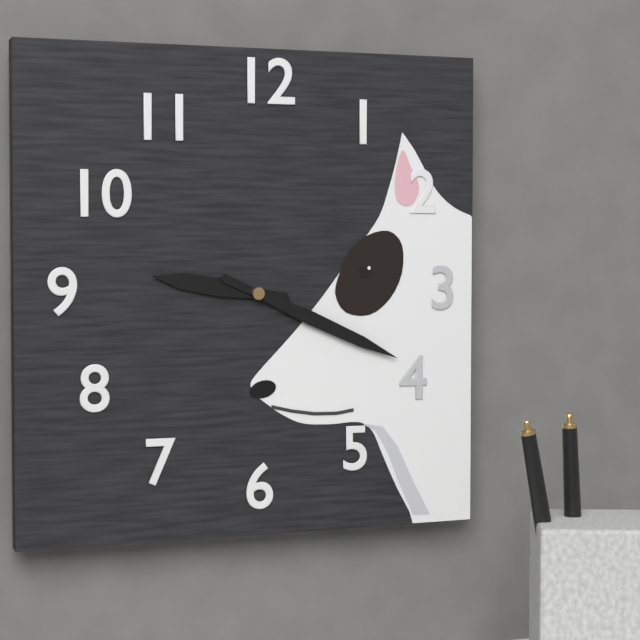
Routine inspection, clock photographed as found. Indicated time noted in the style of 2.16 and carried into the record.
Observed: 9.19
